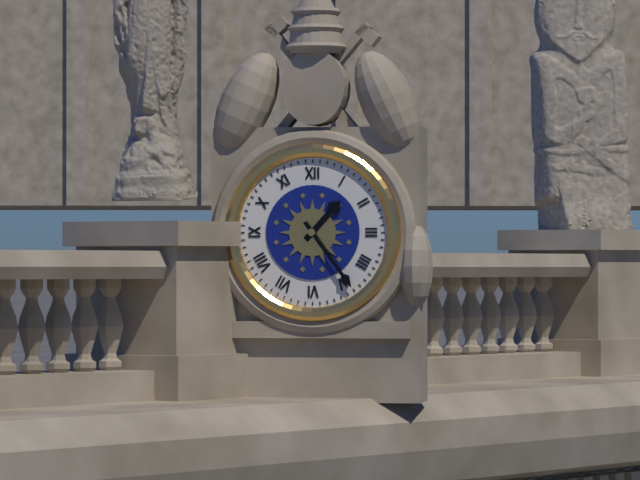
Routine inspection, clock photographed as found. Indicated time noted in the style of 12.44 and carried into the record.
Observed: 1.24
